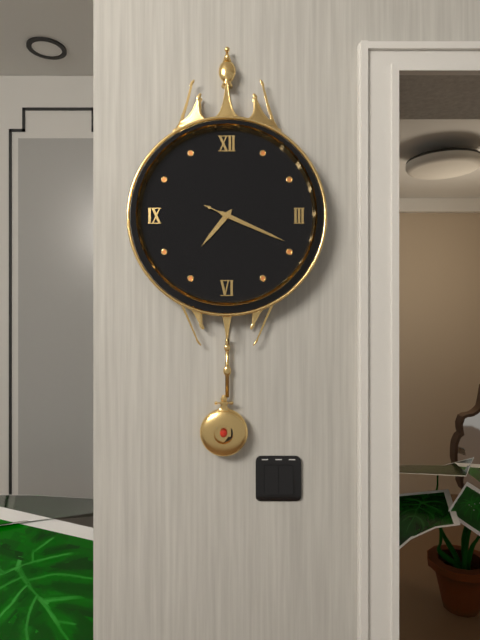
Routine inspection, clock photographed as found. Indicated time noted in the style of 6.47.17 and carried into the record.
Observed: 7.19.19
